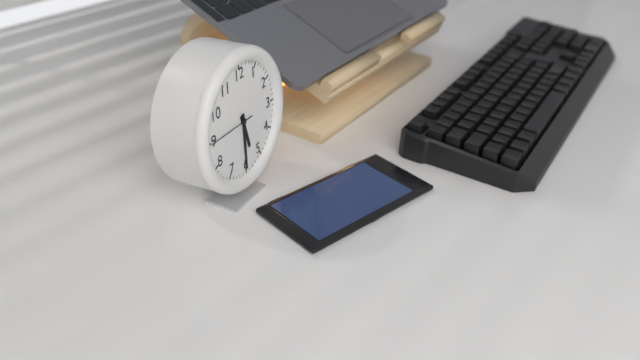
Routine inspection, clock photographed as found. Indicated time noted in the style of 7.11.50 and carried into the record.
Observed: 5.30.45
